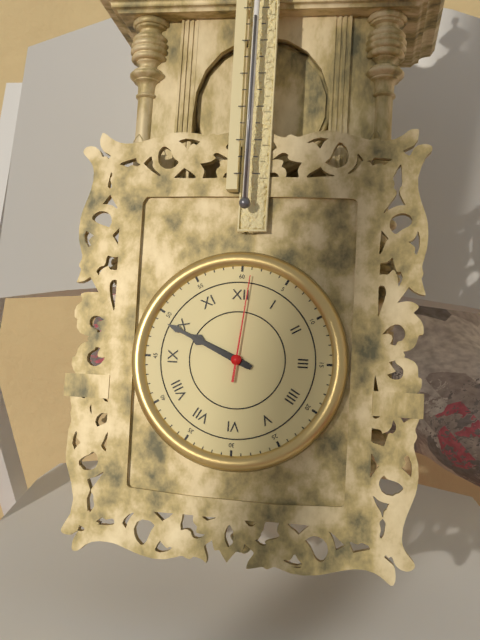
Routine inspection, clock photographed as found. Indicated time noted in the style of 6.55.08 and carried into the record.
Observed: 9.49.01
